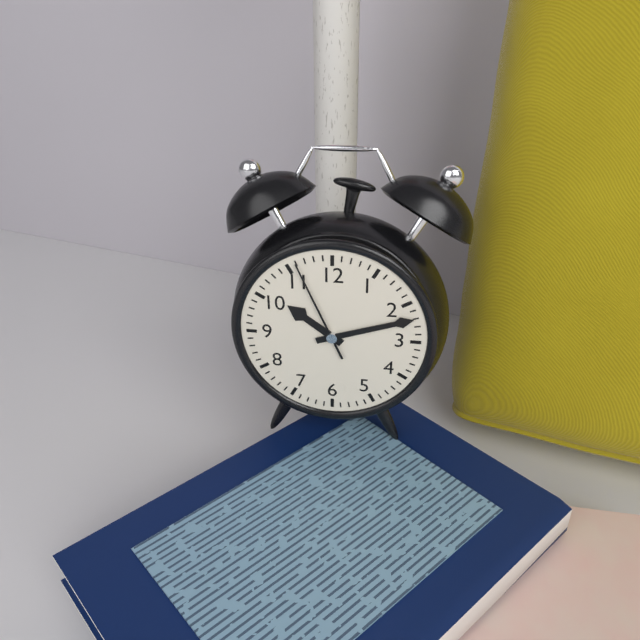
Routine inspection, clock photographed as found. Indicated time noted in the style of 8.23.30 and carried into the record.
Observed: 10.12.56
